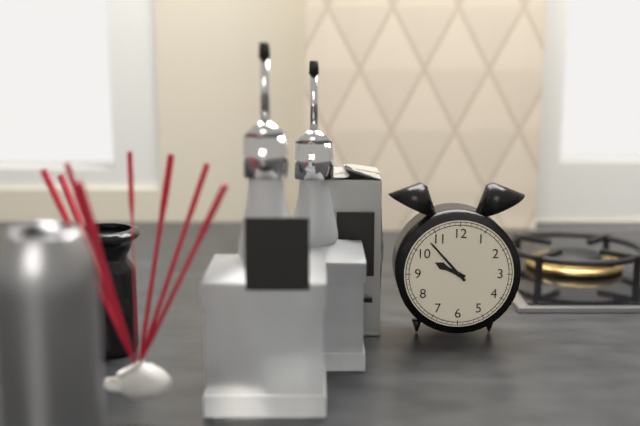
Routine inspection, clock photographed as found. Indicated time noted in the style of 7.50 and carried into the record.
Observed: 9.53
